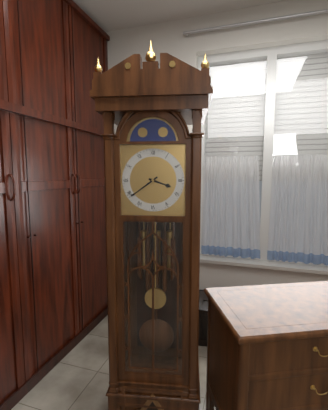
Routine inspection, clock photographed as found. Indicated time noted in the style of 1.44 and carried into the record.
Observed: 3.39
